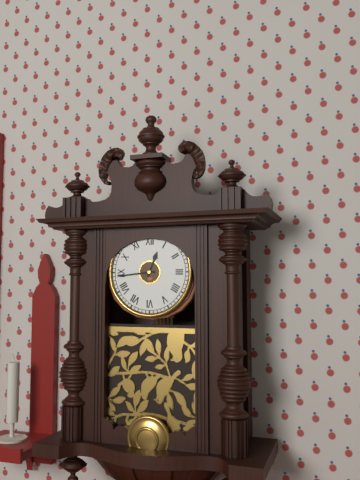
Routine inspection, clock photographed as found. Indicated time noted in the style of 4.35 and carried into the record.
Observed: 12.44
